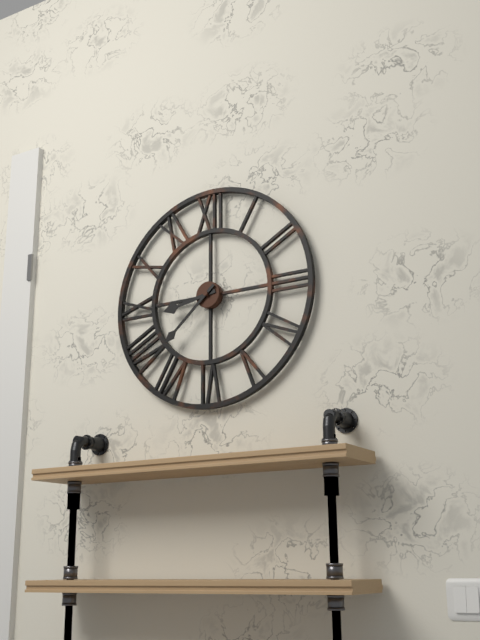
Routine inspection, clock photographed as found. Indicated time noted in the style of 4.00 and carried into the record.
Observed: 8.38
